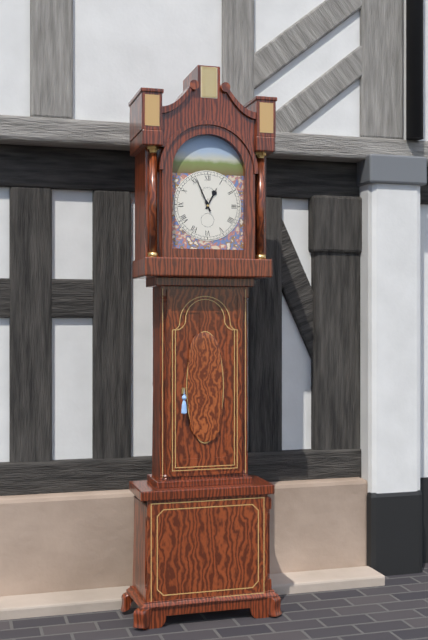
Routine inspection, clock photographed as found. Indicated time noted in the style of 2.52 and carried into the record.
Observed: 12.56
